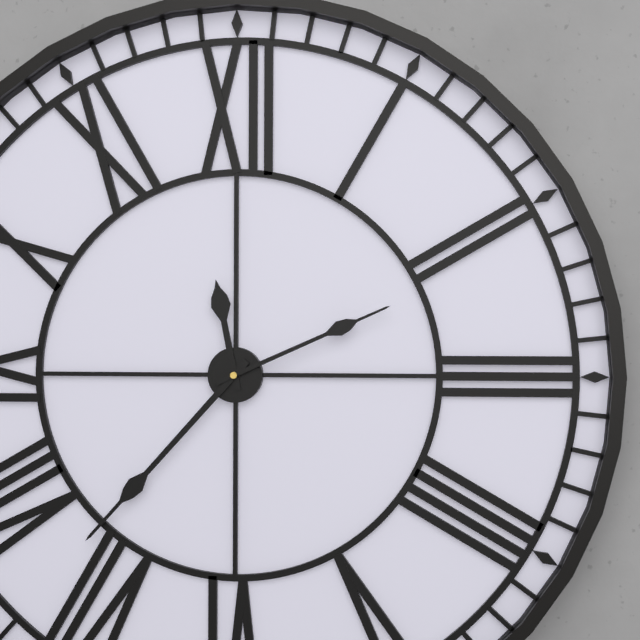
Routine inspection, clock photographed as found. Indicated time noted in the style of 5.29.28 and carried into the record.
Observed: 11.37.11
